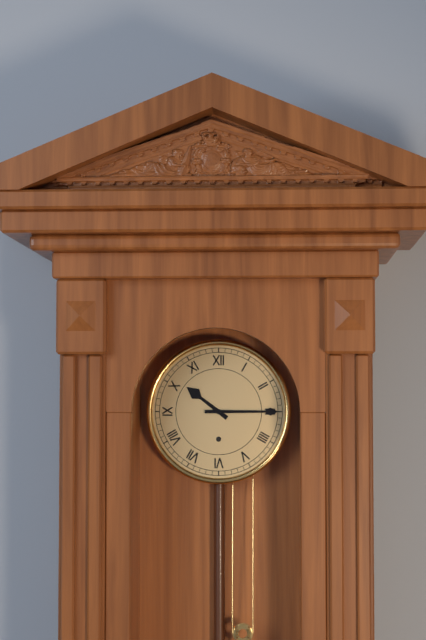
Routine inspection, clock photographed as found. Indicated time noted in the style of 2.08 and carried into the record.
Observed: 10.15
